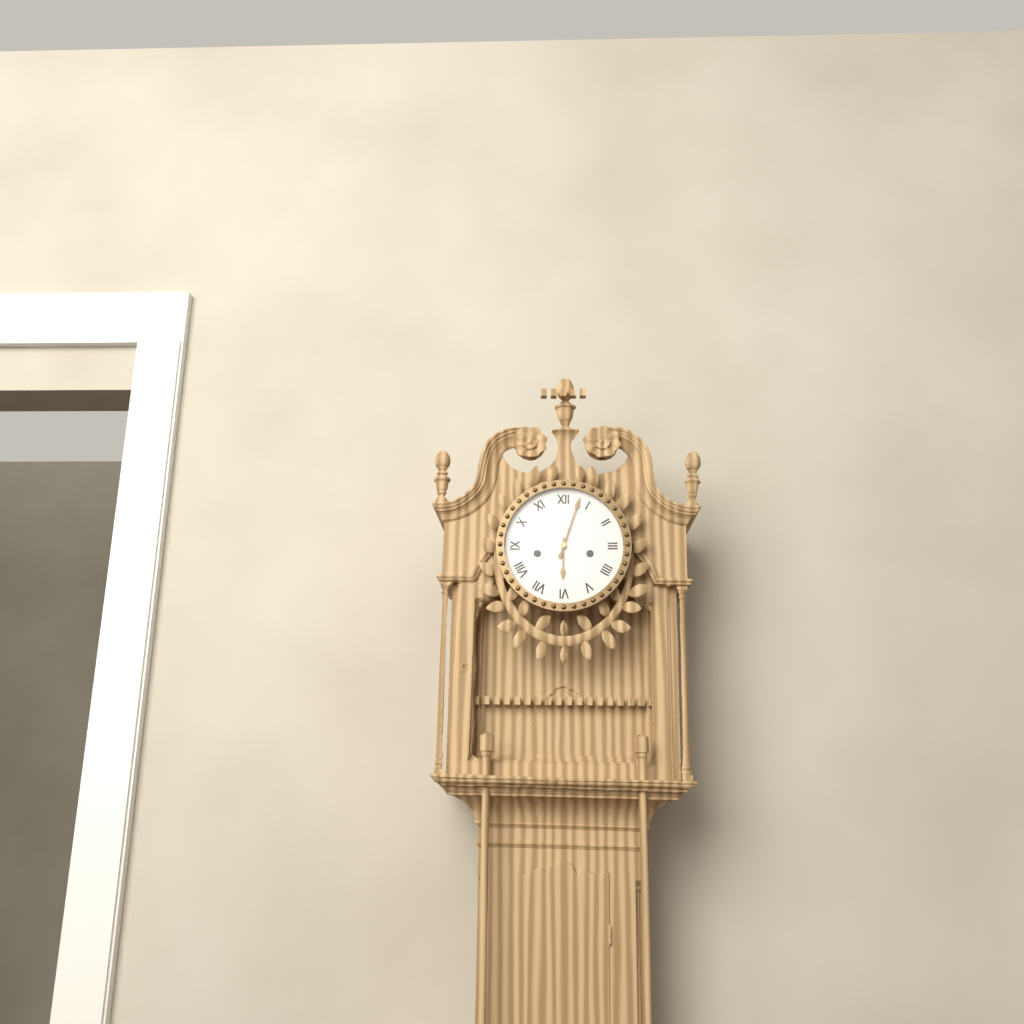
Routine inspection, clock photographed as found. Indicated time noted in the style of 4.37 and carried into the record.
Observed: 6.03
